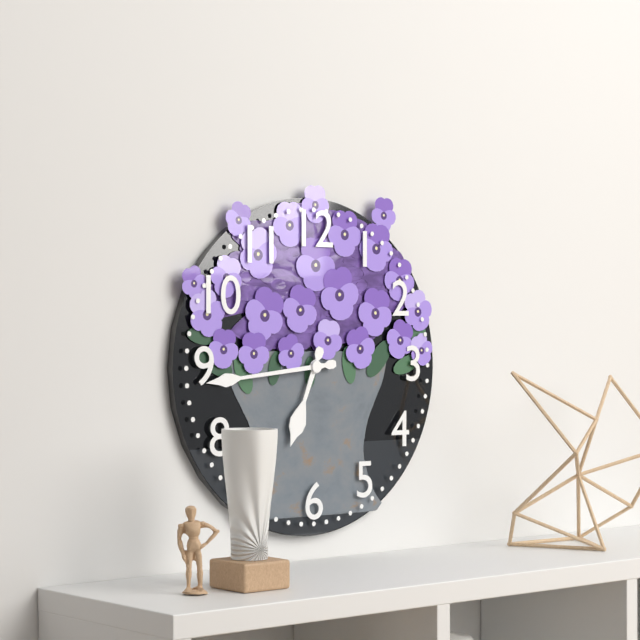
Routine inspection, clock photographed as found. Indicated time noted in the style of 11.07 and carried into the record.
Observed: 6.44
